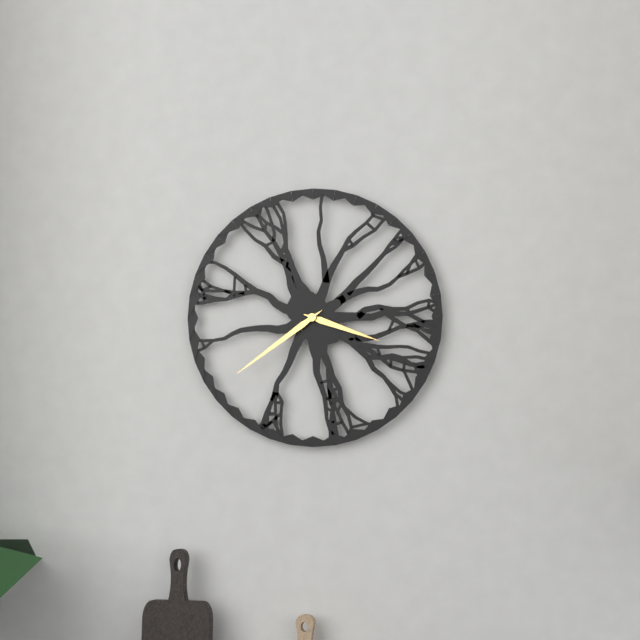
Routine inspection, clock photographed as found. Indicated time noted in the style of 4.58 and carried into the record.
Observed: 3.39
